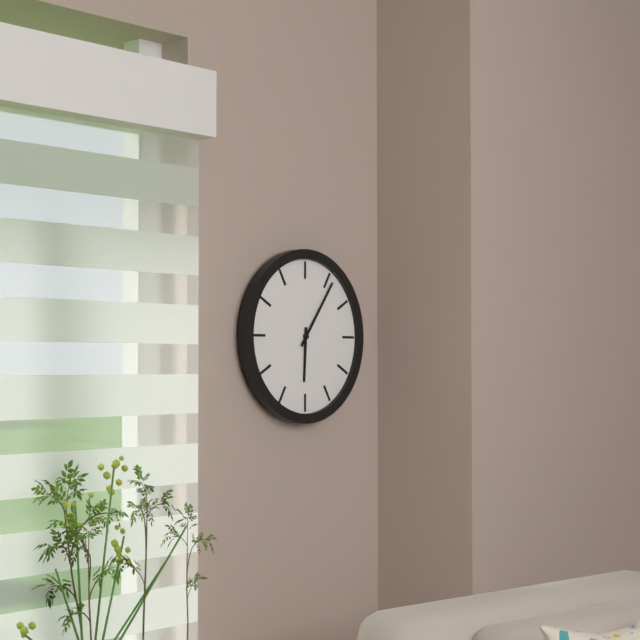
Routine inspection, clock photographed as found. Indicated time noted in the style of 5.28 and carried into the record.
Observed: 6.06
